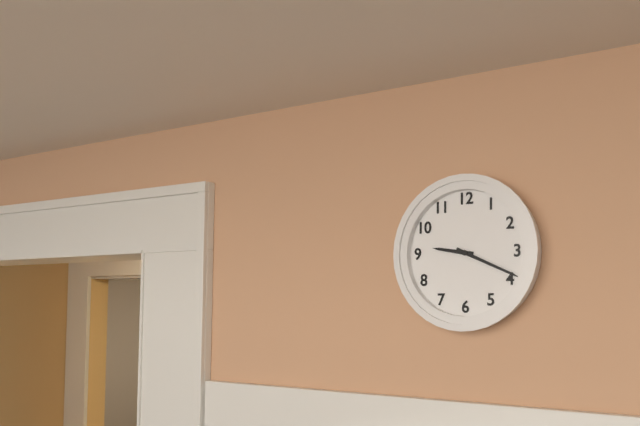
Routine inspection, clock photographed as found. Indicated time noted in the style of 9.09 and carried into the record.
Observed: 9.19
